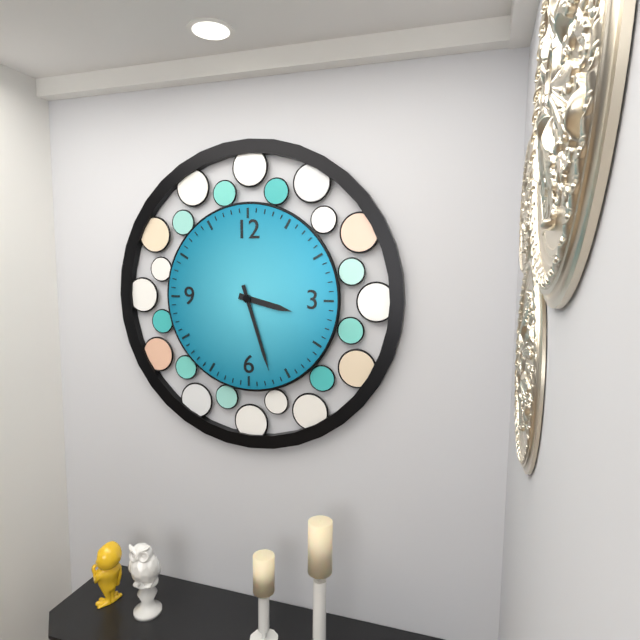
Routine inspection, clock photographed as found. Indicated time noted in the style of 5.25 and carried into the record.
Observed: 3.27
